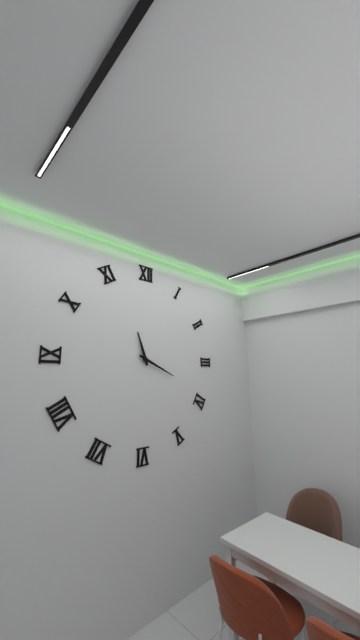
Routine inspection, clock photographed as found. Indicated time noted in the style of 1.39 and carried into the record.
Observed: 11.19
